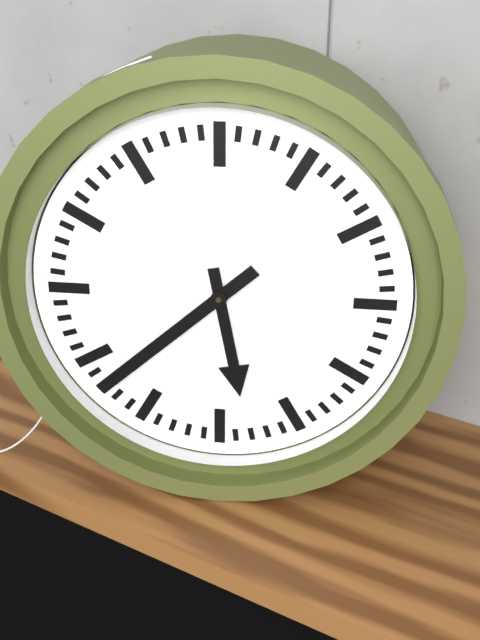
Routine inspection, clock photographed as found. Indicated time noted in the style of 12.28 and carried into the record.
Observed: 5.38
